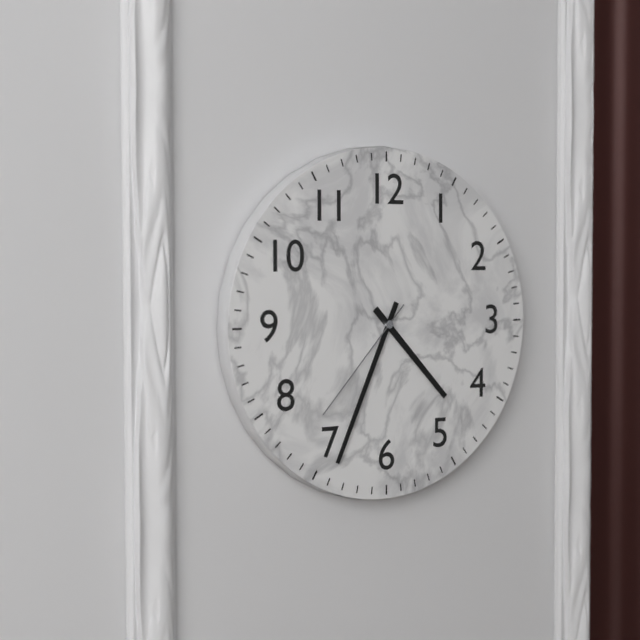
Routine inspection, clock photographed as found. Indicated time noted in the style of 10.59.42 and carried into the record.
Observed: 4.34.37
